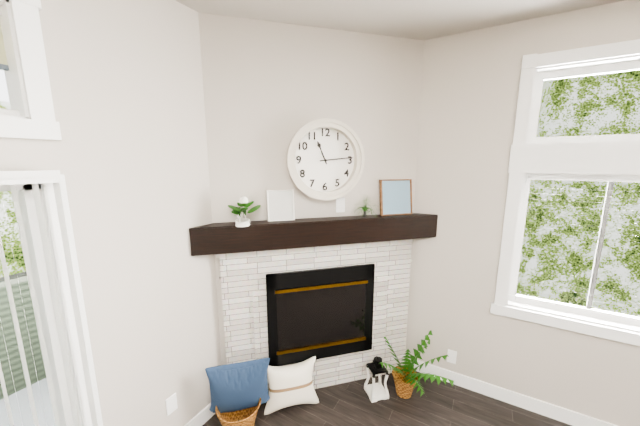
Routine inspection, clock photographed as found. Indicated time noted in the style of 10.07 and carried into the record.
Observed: 11.14
